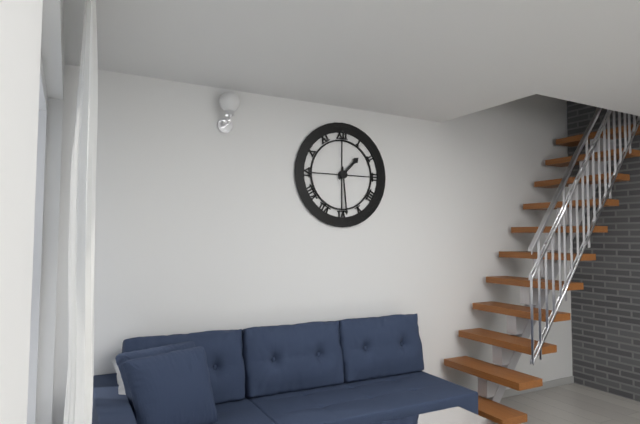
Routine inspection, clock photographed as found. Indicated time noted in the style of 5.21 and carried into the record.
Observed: 1.29
